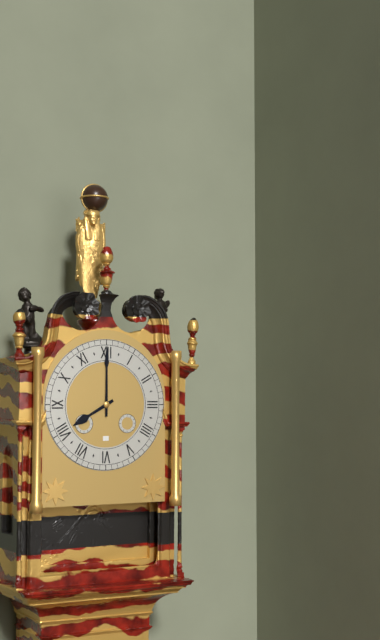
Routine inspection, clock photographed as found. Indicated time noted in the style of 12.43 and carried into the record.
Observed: 8.00
